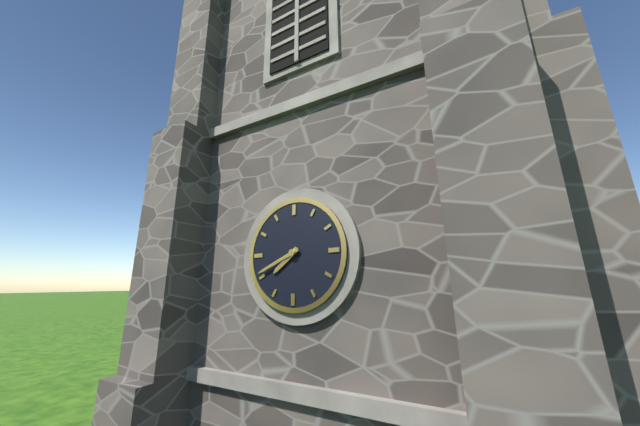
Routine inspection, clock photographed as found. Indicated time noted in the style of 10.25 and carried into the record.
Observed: 7.41
